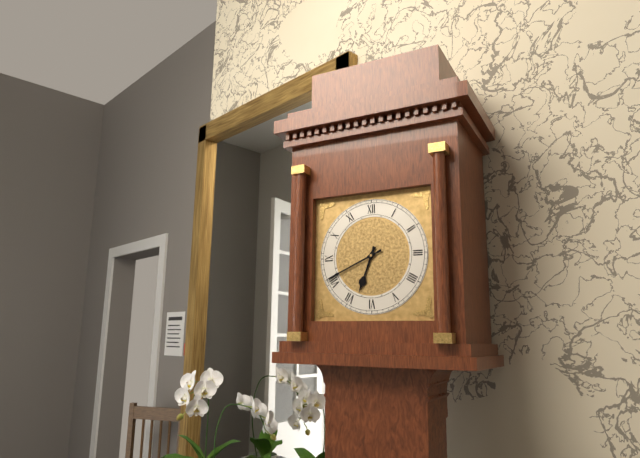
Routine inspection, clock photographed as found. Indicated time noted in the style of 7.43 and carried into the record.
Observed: 6.41
